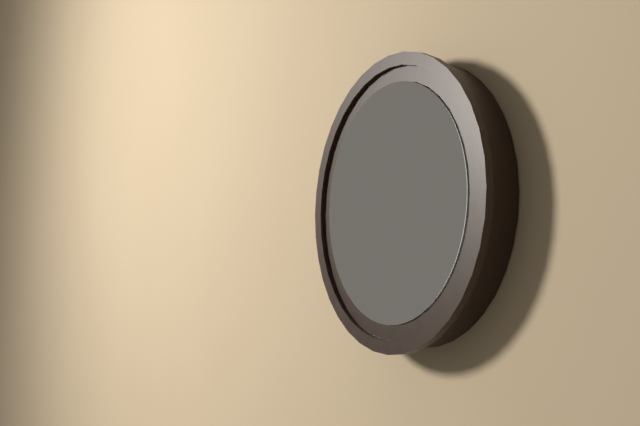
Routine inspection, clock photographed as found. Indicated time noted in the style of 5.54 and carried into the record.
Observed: 6.36
